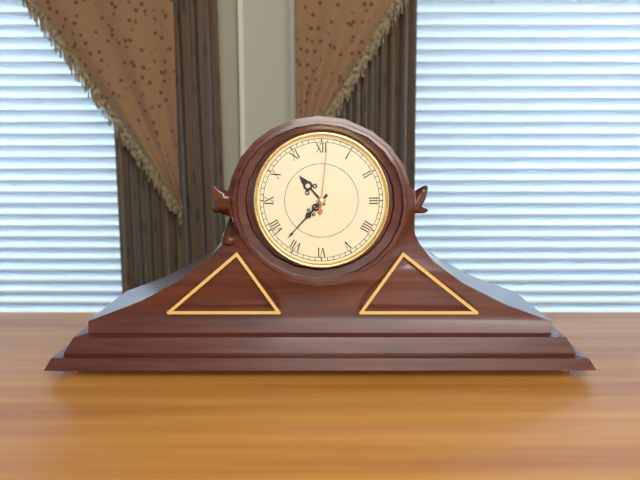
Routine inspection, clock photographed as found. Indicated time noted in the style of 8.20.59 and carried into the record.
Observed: 10.37.01
